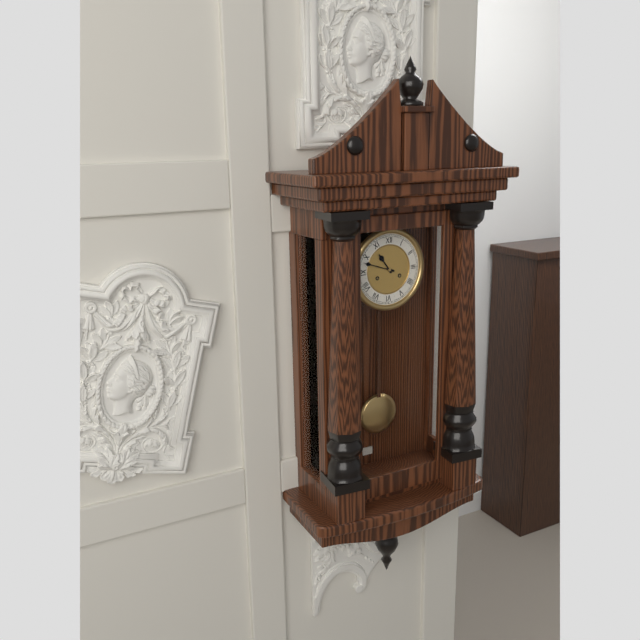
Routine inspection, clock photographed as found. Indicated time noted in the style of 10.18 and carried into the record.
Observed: 10.48
